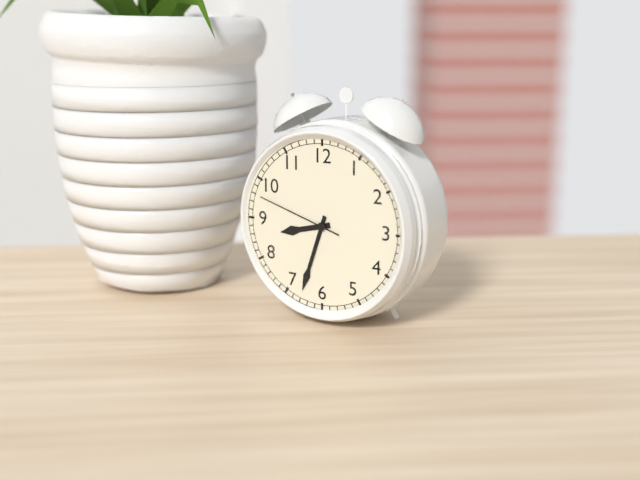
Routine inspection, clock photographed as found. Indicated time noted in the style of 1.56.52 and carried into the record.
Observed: 8.33.48
